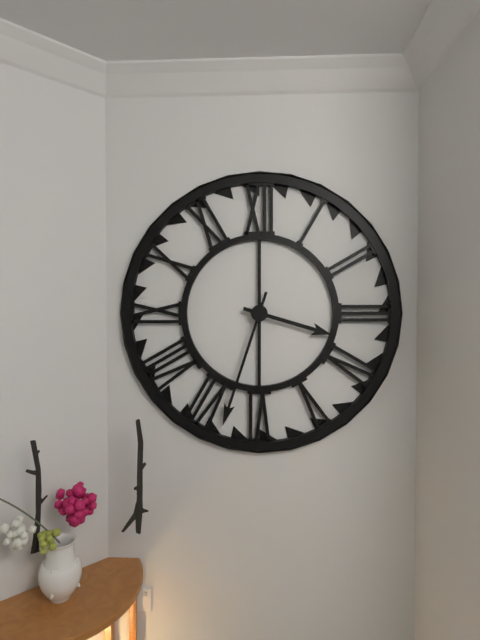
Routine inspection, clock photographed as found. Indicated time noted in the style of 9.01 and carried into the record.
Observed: 3.33
